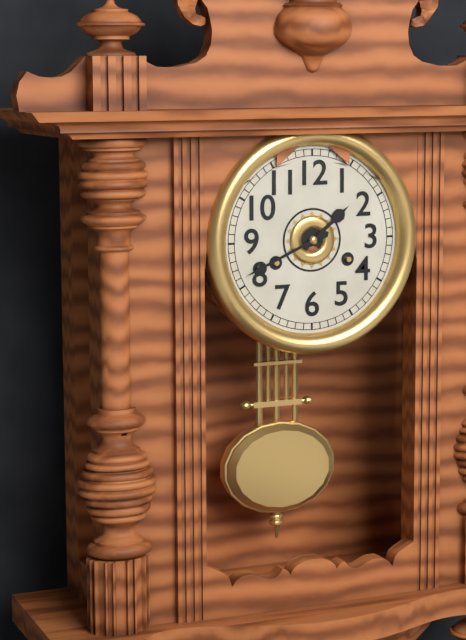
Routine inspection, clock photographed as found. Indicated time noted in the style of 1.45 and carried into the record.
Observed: 1.41
